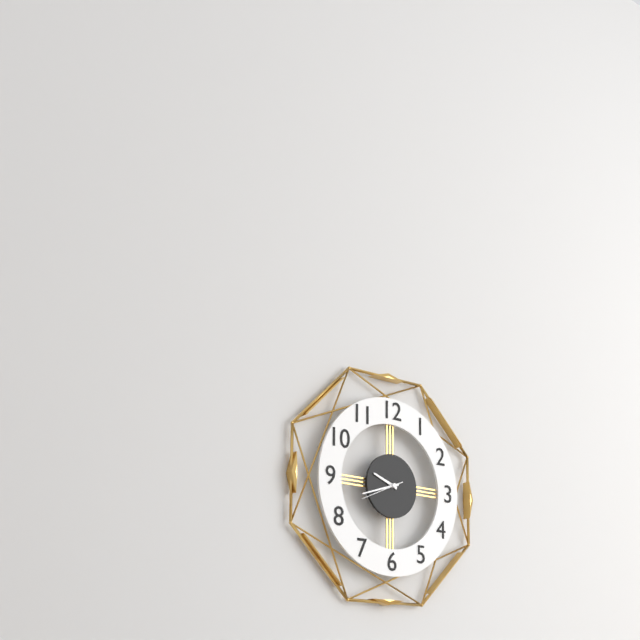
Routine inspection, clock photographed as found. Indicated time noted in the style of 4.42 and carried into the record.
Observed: 9.42
